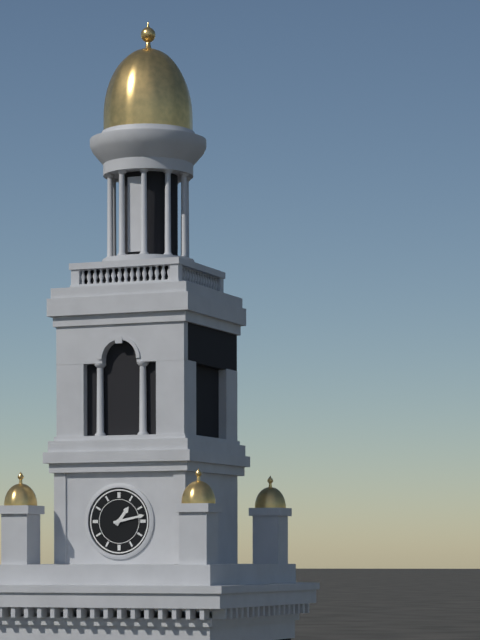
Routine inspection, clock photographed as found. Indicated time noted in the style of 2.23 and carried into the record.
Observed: 1.13
